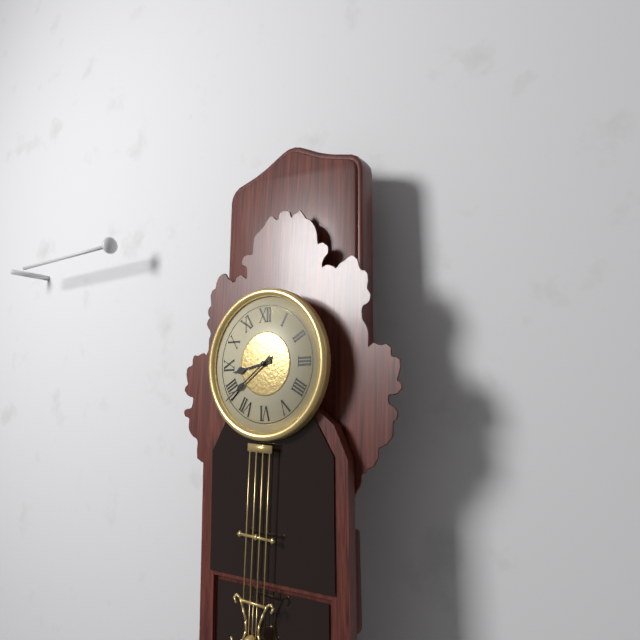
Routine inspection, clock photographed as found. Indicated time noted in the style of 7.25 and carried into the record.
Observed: 8.39
